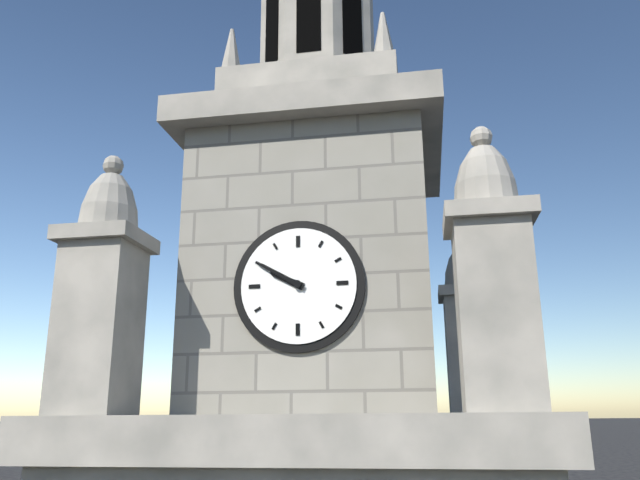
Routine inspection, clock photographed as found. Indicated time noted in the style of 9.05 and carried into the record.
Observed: 9.50
